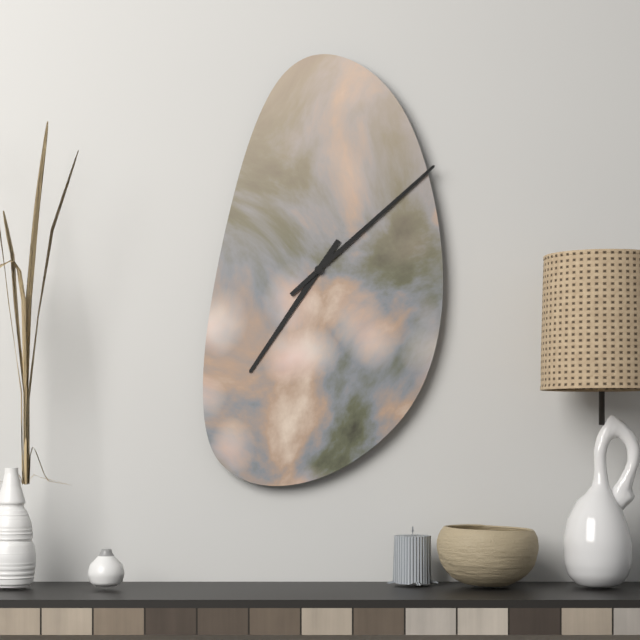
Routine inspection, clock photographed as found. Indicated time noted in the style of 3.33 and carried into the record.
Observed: 7.08
